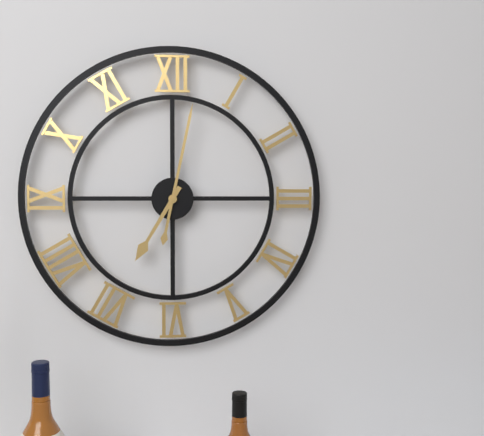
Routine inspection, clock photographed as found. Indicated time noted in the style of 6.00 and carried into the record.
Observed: 7.02
